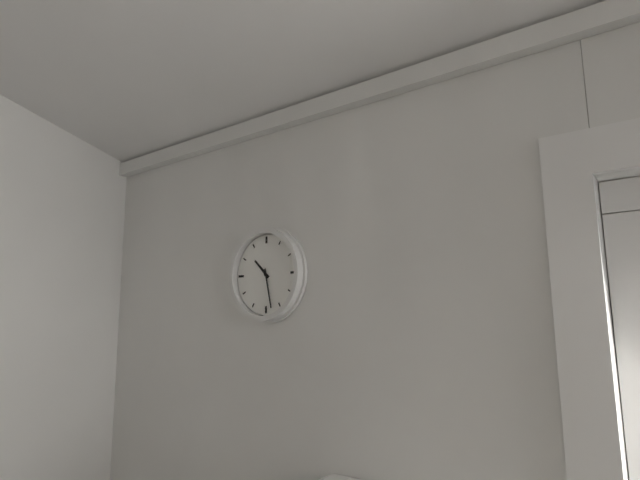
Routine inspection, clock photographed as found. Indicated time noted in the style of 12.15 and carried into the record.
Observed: 10.28
